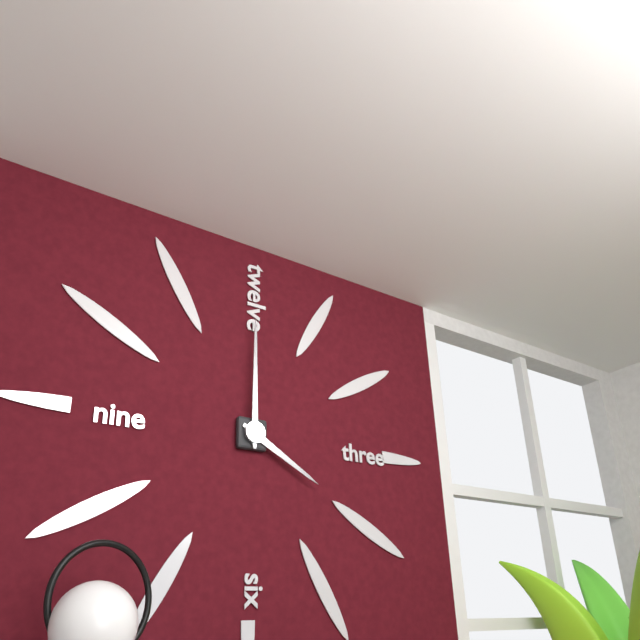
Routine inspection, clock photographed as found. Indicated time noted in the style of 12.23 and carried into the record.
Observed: 4.00
